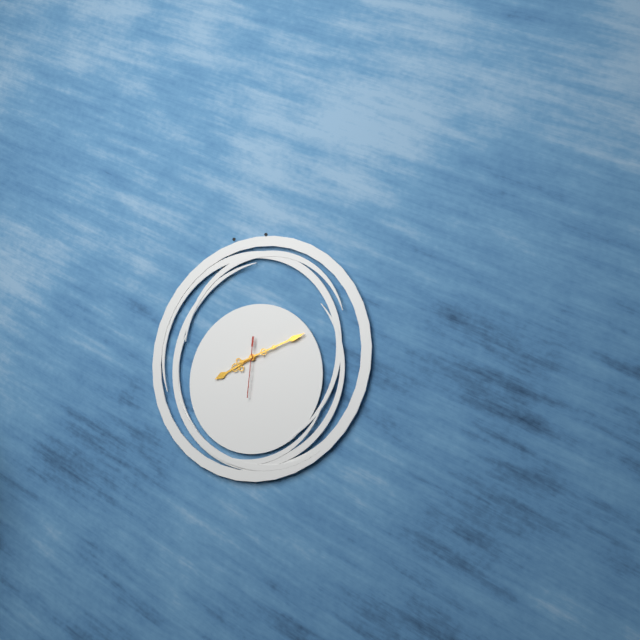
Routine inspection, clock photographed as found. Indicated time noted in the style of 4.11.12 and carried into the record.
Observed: 8.12.31
